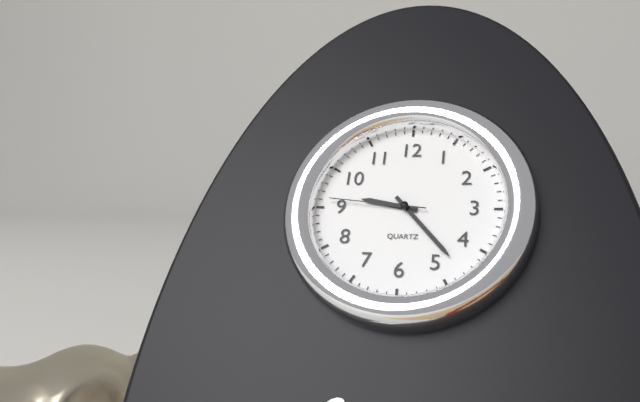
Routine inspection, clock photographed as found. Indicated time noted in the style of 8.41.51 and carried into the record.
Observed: 9.23.46
